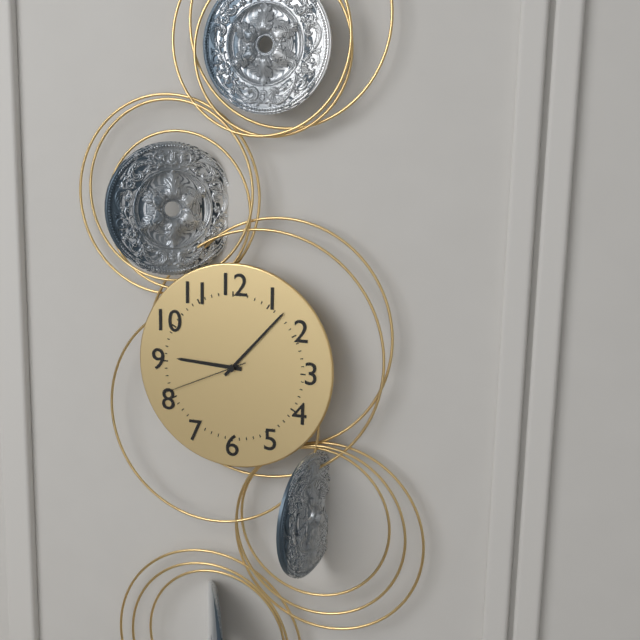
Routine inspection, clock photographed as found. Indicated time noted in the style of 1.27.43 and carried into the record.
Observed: 9.07.41
